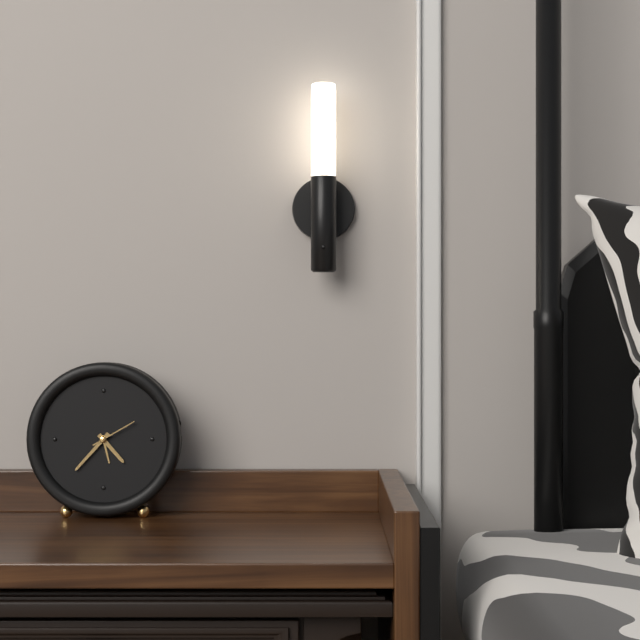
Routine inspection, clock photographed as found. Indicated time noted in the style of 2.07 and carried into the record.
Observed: 4.37
